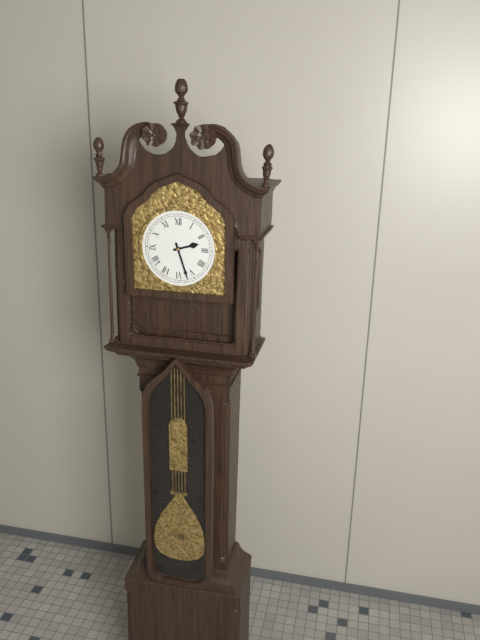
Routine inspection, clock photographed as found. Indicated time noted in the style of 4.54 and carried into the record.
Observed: 2.27
